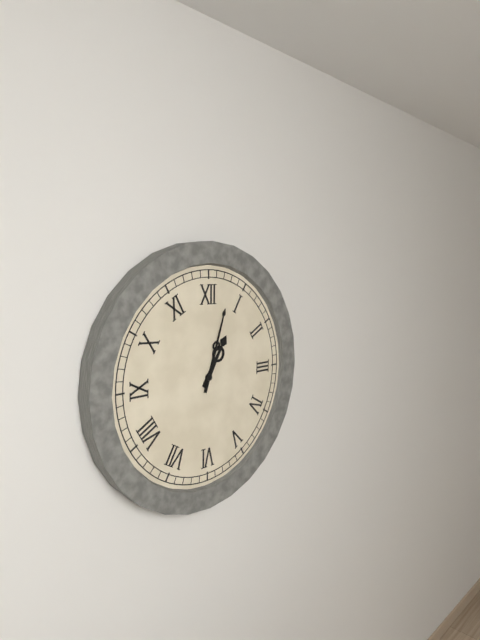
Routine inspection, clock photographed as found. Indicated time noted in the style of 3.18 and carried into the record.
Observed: 1.03
